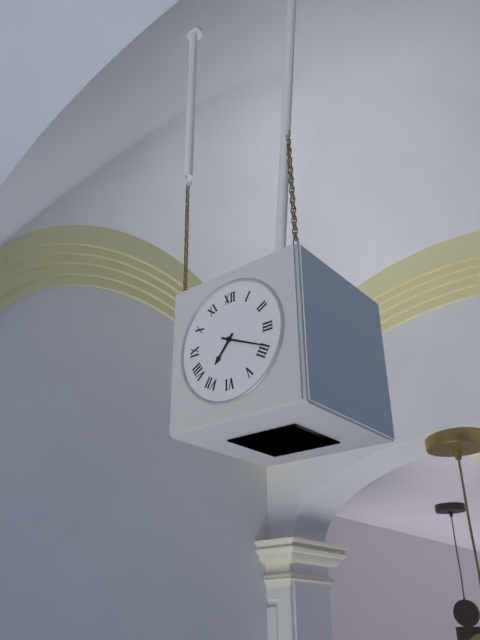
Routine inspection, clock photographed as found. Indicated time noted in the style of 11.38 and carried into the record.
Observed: 7.19
